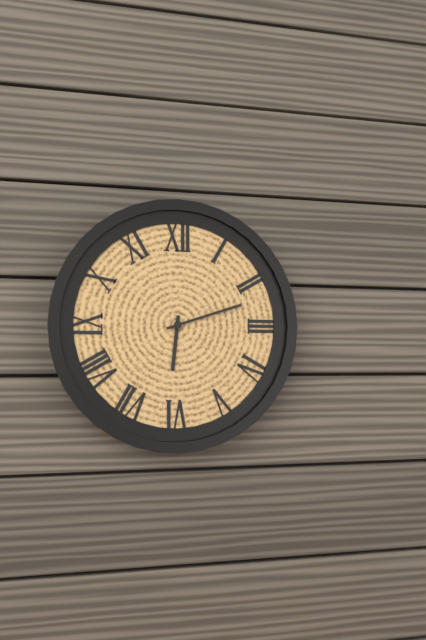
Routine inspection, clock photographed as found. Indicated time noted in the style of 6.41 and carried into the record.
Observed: 6.12
